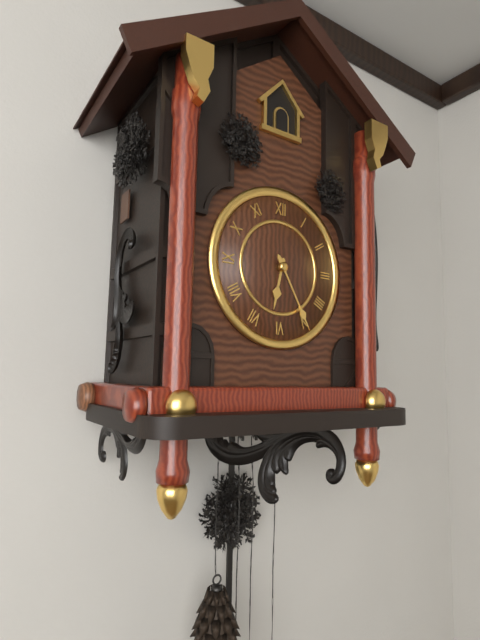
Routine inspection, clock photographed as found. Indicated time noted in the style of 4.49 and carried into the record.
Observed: 6.25
